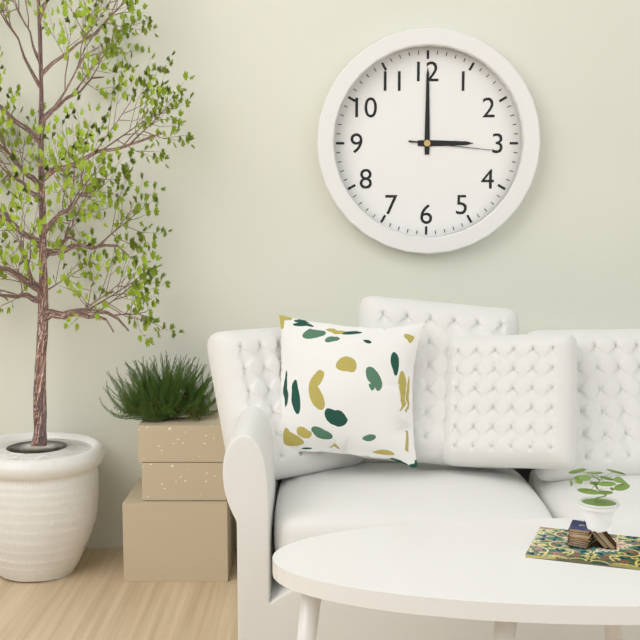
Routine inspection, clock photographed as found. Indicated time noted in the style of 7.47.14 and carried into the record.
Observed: 3.00.16
